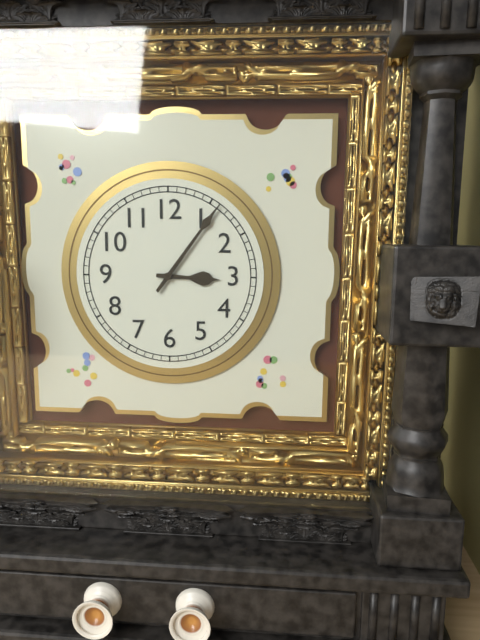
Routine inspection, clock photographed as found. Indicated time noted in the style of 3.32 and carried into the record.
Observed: 3.06
